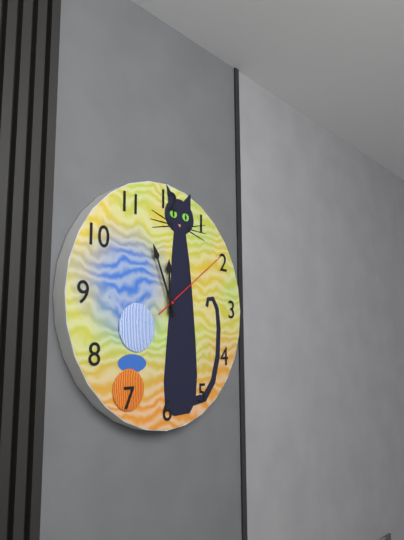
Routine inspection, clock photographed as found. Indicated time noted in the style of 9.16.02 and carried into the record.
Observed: 11.56.09
